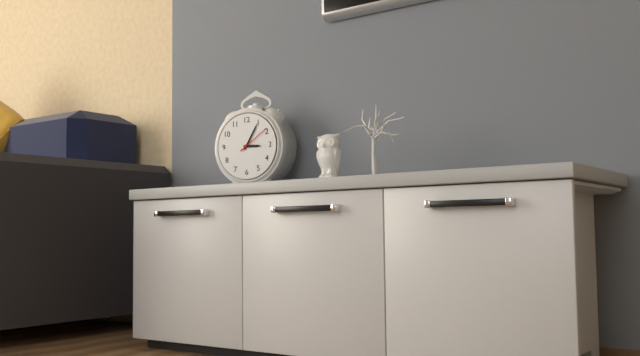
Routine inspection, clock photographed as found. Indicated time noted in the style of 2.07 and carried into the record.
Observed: 3.05
